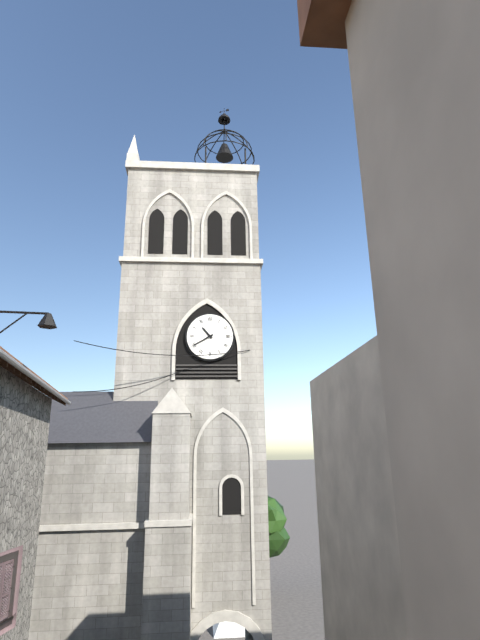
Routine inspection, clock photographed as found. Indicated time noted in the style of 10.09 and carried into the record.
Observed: 10.40
